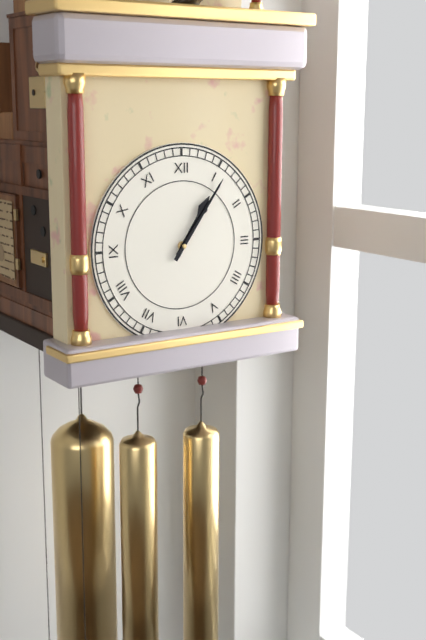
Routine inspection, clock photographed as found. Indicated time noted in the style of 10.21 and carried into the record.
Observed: 1.06
